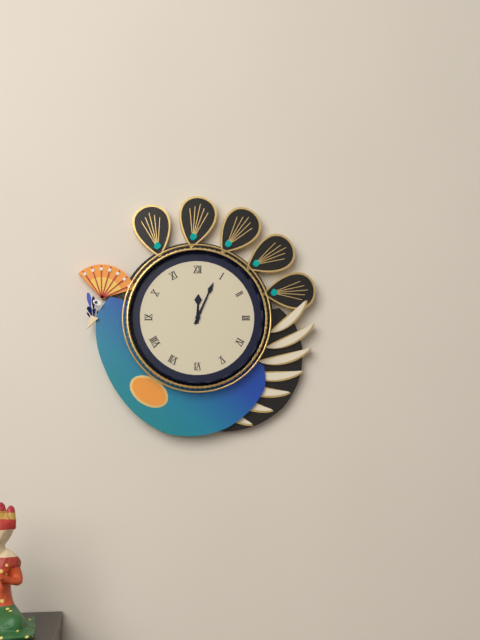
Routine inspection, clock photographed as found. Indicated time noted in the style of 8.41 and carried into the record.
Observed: 12.04
